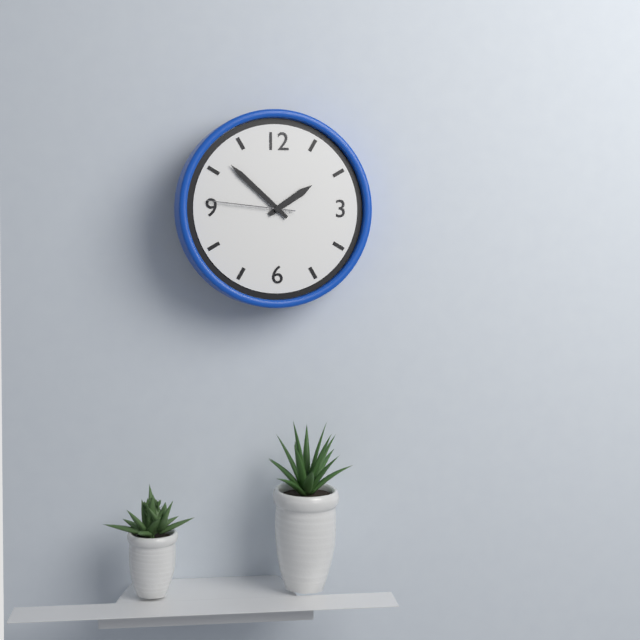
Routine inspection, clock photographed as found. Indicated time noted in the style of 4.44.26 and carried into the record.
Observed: 1.52.46
